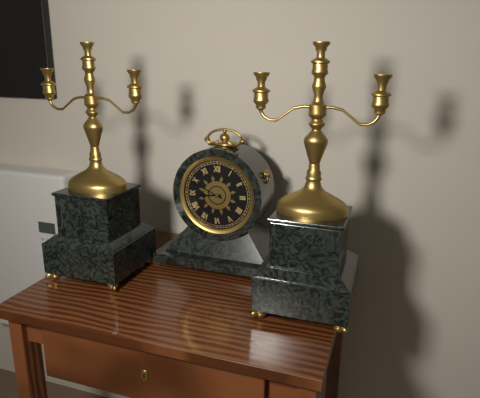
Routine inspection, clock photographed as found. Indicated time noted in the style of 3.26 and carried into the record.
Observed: 8.49
